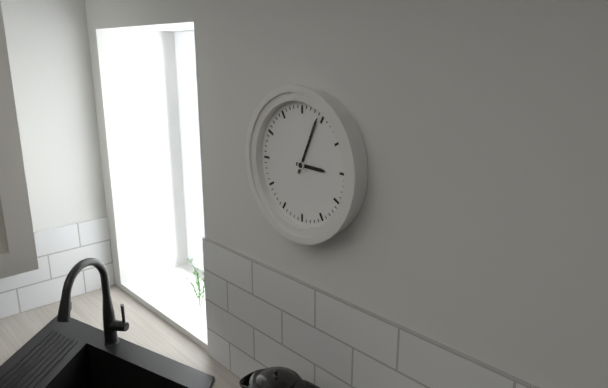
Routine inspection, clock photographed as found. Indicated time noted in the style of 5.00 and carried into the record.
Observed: 3.04
